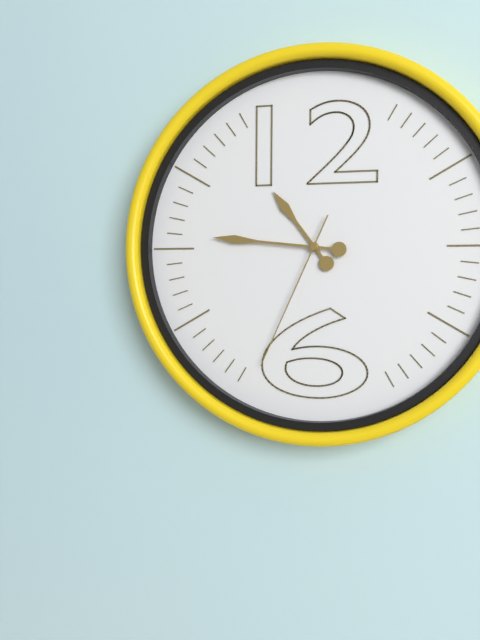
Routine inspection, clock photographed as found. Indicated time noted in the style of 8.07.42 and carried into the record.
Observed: 10.46.34
